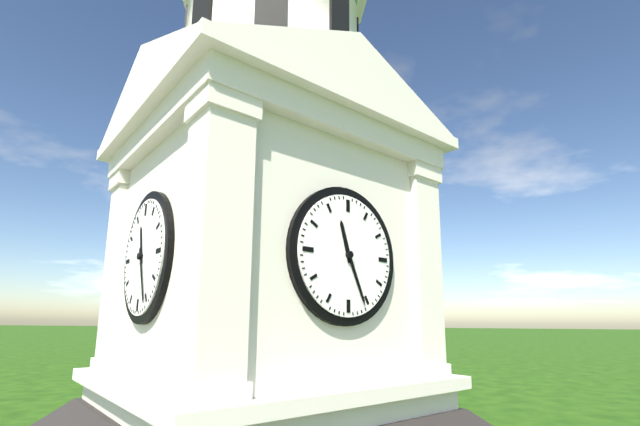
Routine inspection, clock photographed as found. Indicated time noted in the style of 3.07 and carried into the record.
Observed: 11.26
